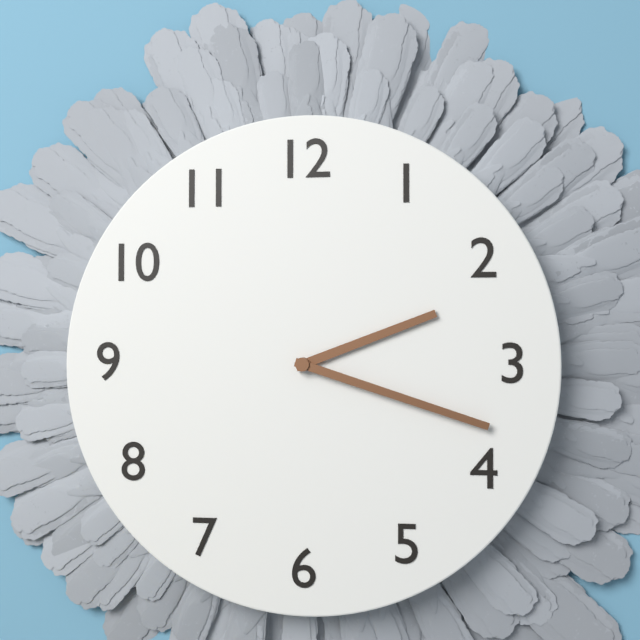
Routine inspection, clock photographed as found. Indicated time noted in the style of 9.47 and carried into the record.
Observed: 2.18
